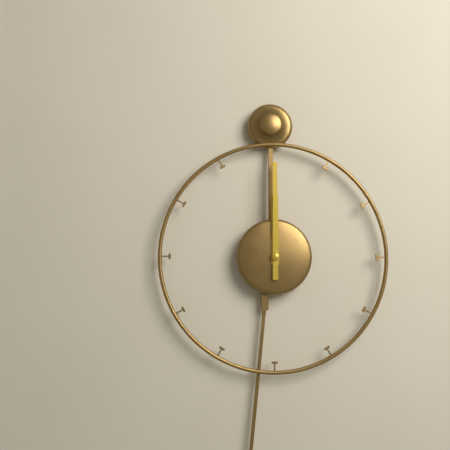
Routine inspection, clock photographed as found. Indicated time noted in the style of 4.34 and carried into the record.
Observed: 12.00
